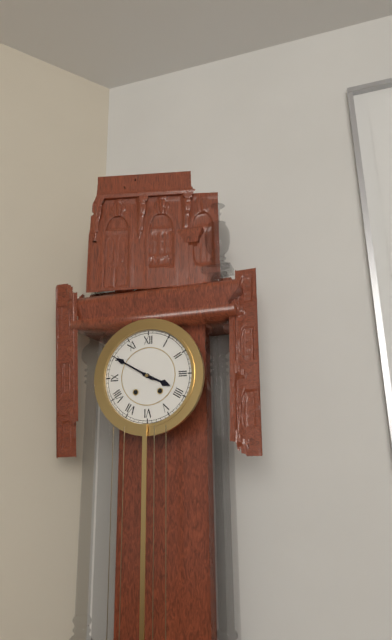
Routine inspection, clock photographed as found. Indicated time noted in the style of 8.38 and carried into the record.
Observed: 3.50
